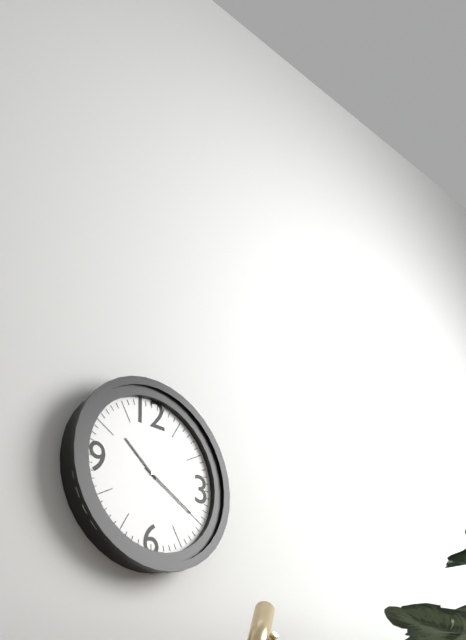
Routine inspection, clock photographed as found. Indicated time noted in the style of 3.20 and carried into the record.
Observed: 10.20
